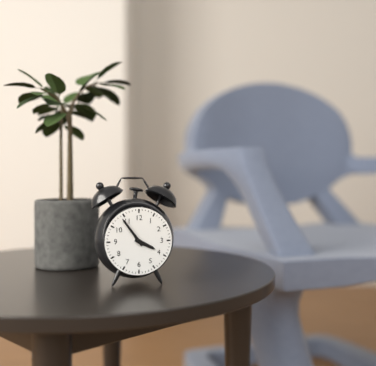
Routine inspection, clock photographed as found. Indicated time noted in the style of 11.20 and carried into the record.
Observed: 3.54
